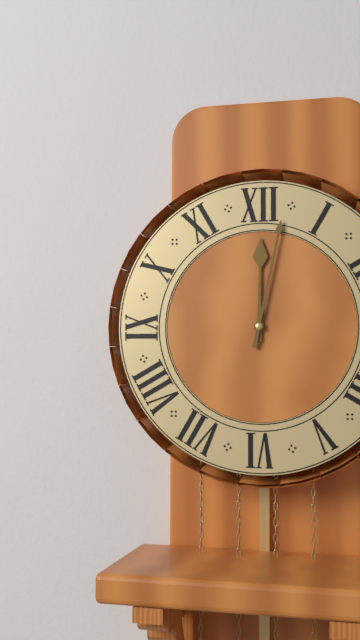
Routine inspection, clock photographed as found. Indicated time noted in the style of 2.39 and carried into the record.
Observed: 12.02
